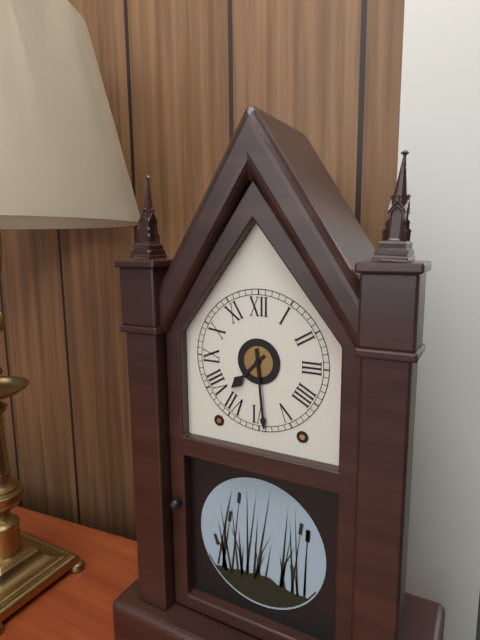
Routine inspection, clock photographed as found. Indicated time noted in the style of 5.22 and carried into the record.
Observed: 7.29
